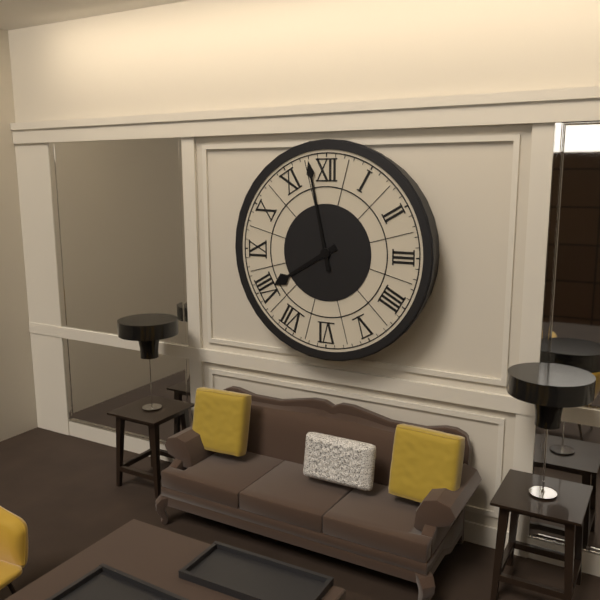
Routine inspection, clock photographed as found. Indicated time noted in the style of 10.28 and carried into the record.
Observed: 7.58
